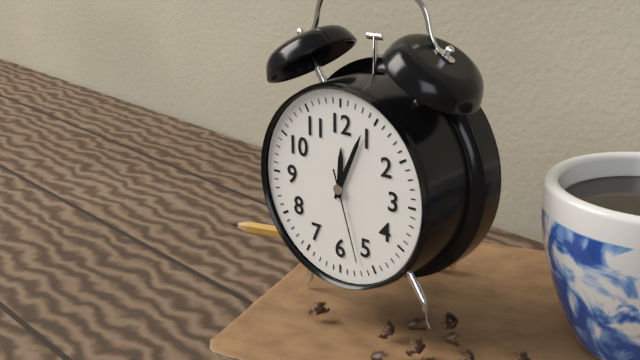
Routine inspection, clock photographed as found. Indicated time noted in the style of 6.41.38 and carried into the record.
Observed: 12.04.27
